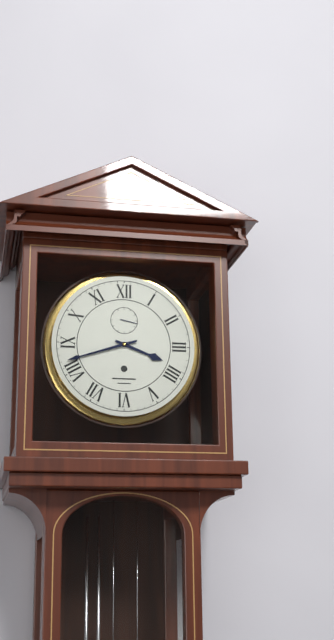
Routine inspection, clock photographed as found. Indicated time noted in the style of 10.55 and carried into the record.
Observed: 3.42
